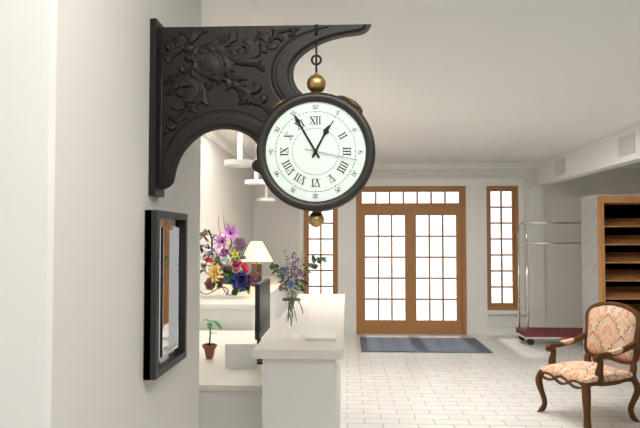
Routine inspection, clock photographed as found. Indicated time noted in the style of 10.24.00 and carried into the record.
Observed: 12.55.17
